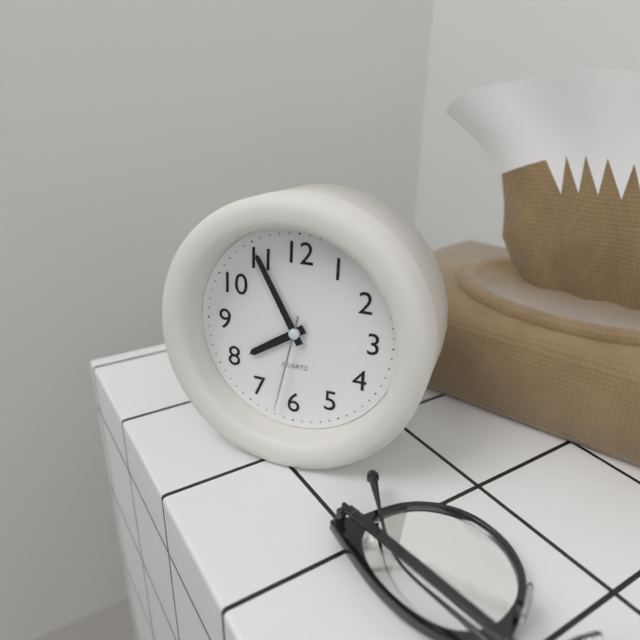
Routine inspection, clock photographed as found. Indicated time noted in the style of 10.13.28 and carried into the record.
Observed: 7.55.32
